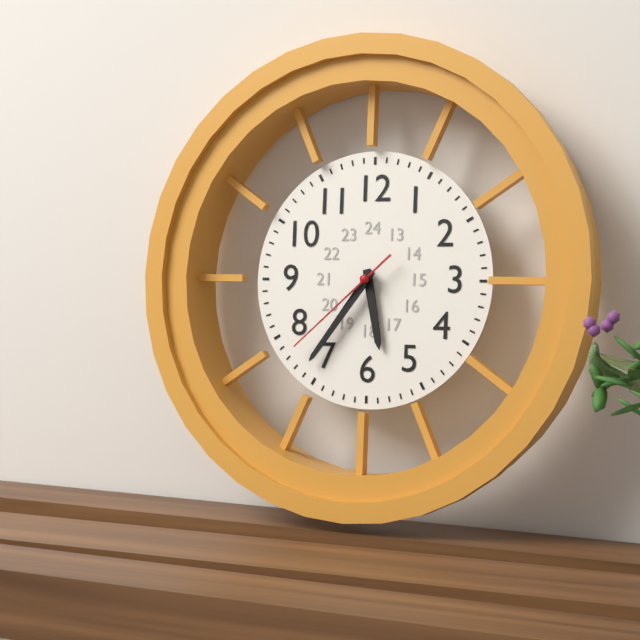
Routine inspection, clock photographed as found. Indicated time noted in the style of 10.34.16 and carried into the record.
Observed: 5.36.38
